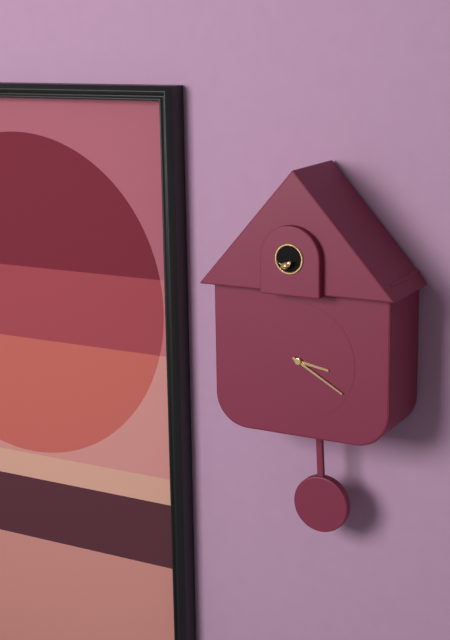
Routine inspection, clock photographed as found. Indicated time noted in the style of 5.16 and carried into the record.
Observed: 3.20
